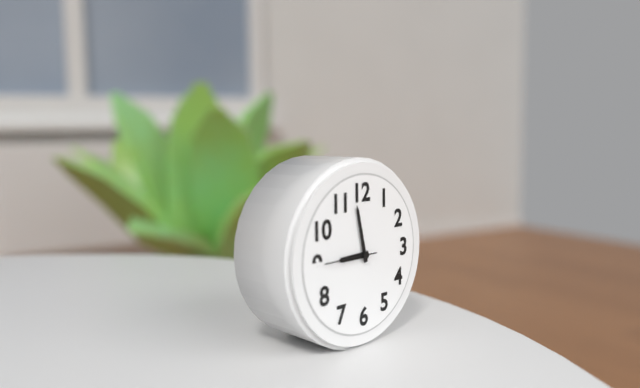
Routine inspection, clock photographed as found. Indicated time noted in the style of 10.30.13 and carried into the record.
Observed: 8.58.45
